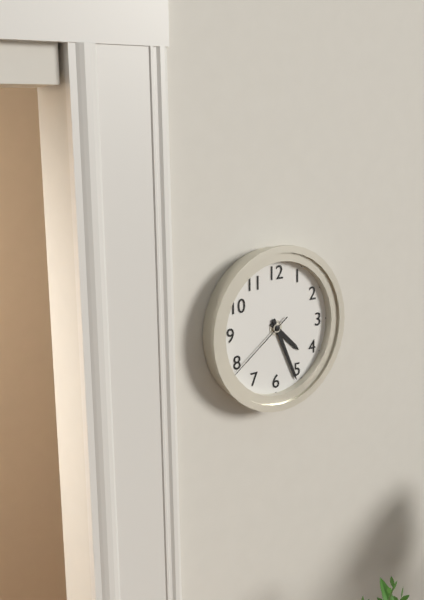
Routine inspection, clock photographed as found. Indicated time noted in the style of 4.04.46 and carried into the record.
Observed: 4.26.39
